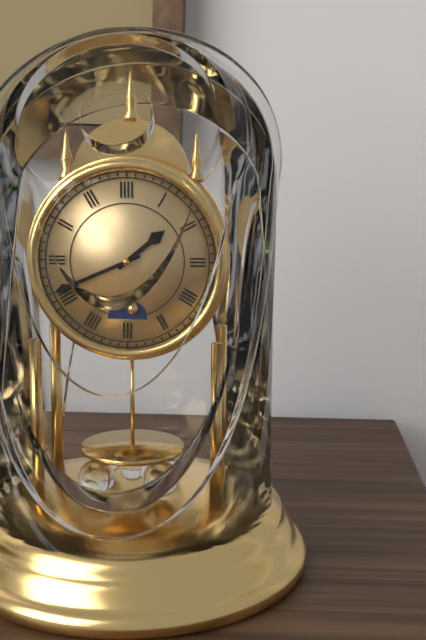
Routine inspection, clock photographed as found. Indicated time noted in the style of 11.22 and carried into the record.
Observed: 1.41
